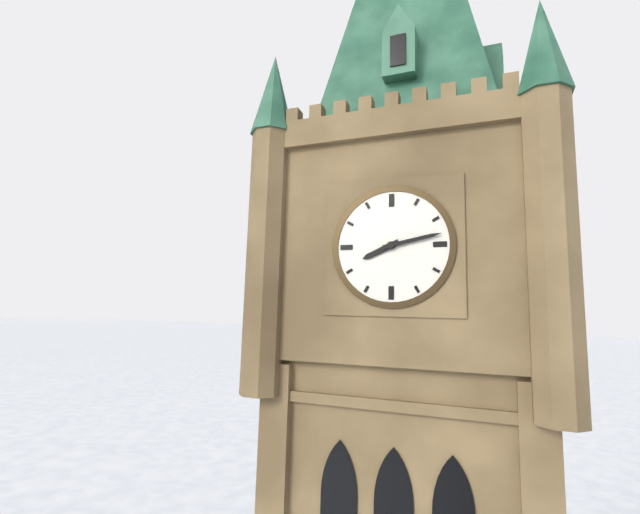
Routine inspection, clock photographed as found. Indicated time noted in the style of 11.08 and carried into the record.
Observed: 8.13
